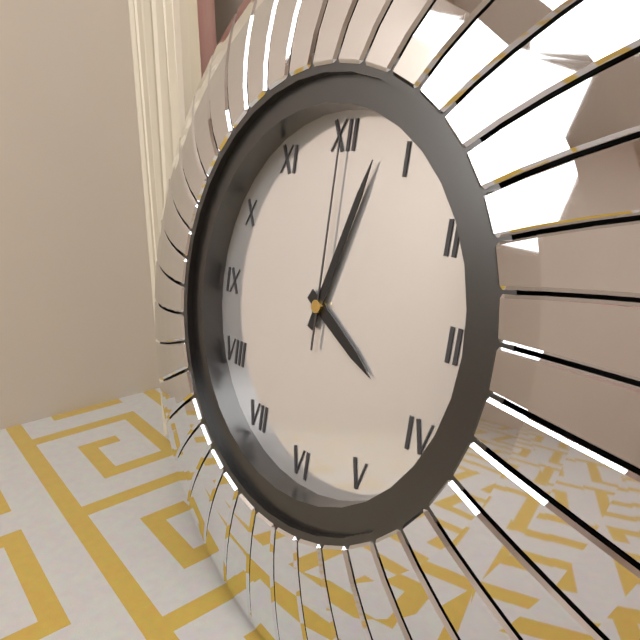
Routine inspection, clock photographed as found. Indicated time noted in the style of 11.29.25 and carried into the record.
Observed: 4.03.00
